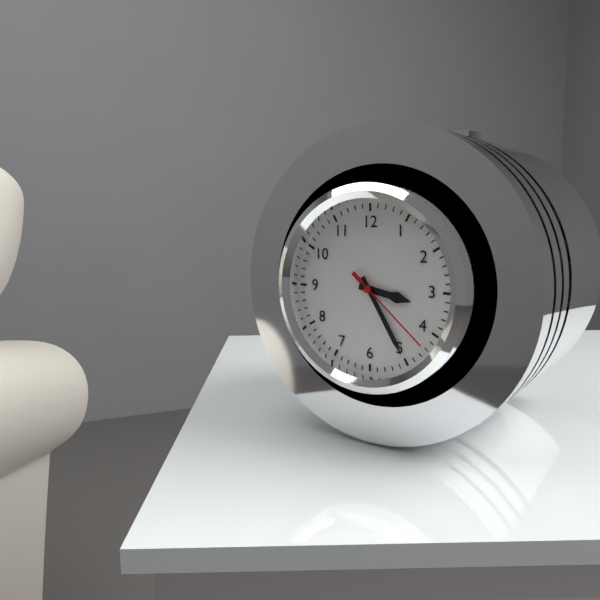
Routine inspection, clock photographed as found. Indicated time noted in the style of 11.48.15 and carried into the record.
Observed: 3.25.22
